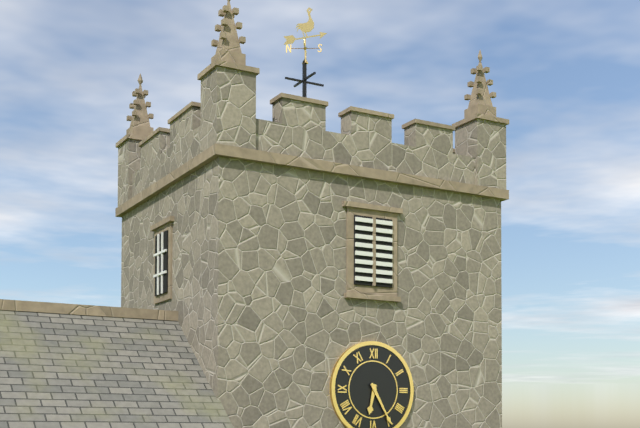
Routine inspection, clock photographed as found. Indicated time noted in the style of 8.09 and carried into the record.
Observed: 6.25
